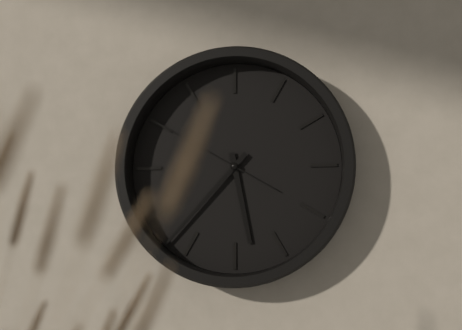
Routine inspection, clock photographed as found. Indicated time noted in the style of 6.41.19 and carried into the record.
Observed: 5.37.50
